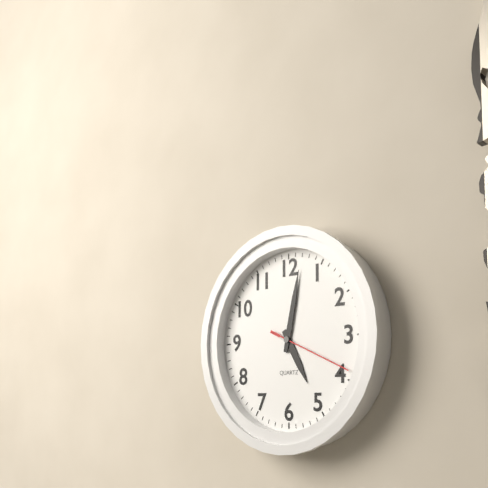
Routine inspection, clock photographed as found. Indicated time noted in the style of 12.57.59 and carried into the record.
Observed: 5.02.19
